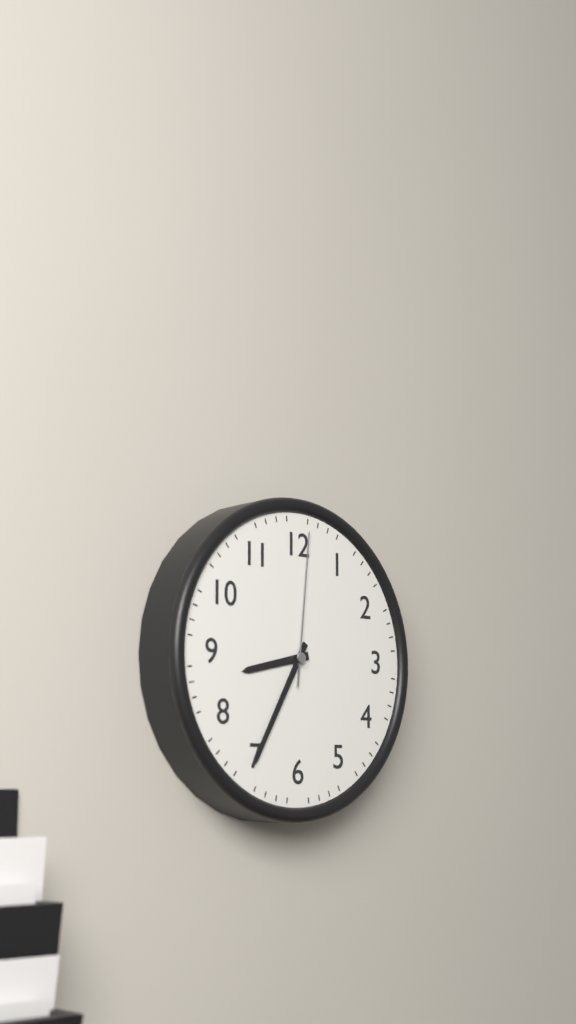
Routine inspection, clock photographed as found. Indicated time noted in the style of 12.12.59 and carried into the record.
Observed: 8.35.01
